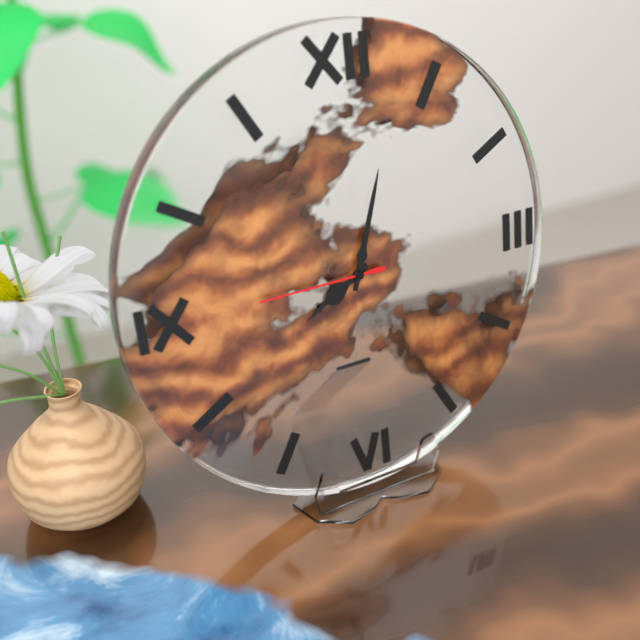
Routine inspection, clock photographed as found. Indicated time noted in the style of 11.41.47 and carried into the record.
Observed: 8.03.45
